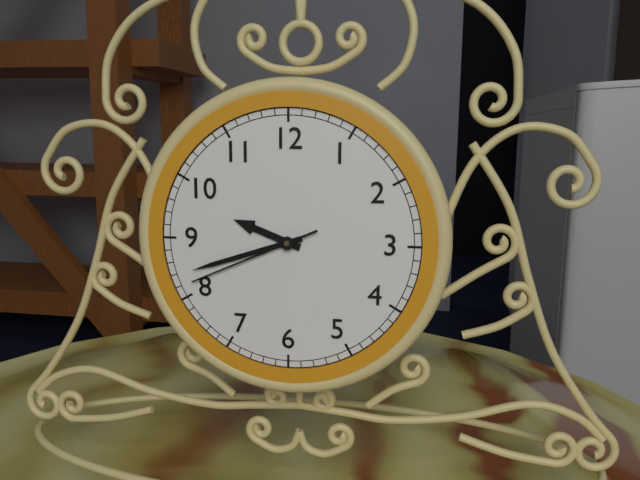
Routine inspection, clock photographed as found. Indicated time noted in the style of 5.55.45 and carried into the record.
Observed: 9.42.41
